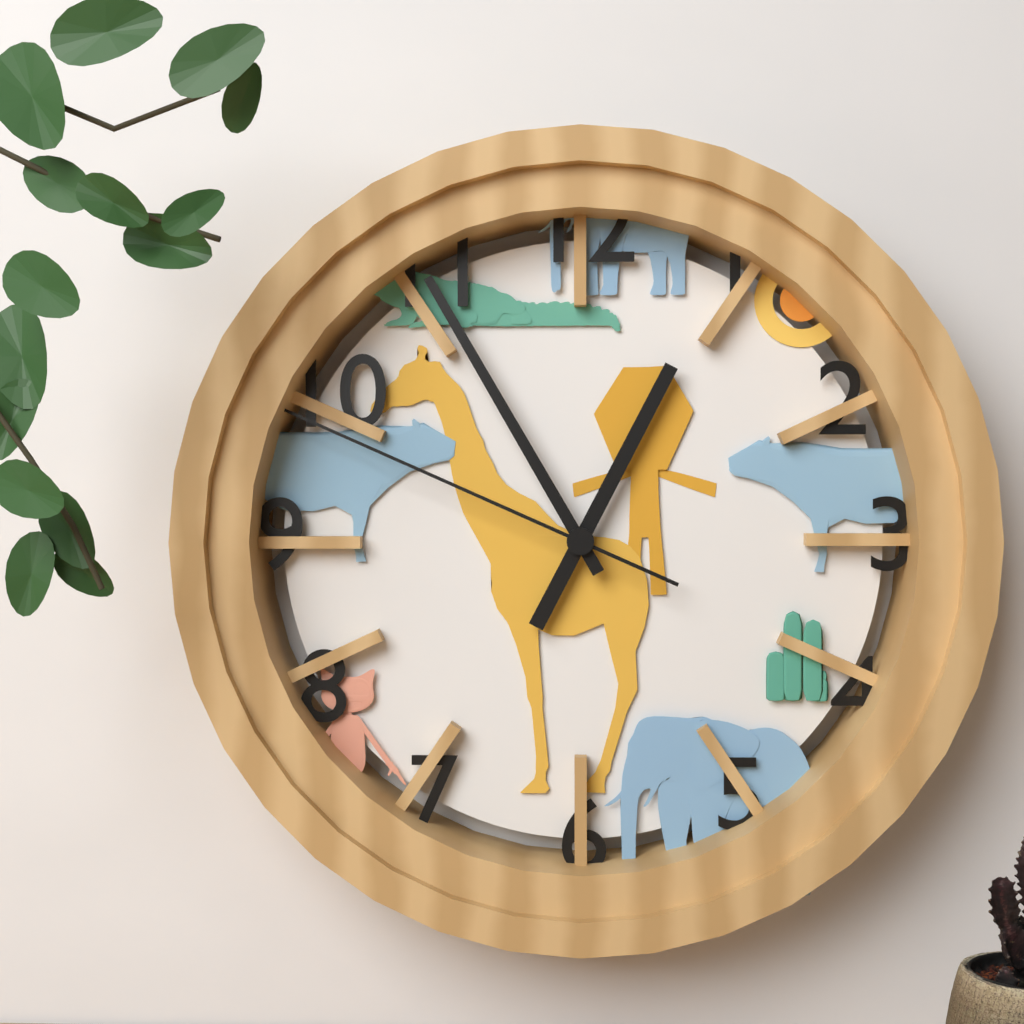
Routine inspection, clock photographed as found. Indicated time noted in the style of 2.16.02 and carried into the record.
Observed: 12.55.49
